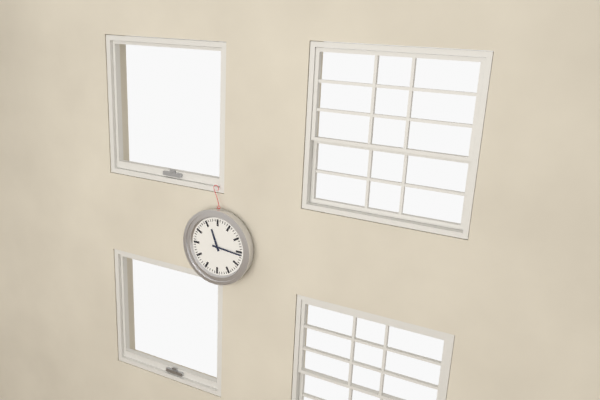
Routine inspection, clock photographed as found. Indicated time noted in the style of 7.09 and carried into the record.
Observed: 11.16
